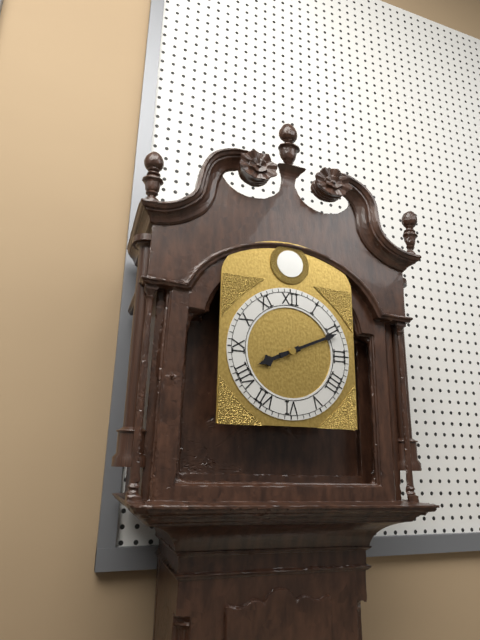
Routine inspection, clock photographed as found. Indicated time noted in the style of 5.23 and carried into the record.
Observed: 8.11
